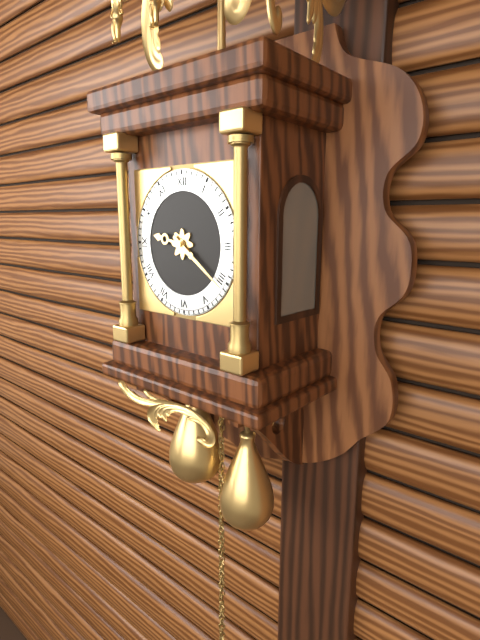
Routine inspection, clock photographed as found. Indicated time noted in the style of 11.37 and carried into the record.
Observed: 9.21
